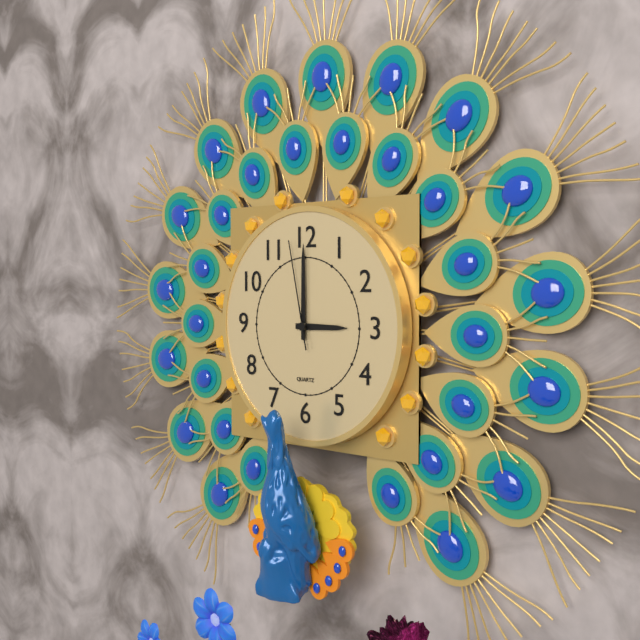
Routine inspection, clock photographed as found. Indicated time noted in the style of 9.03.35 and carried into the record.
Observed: 3.00.58
